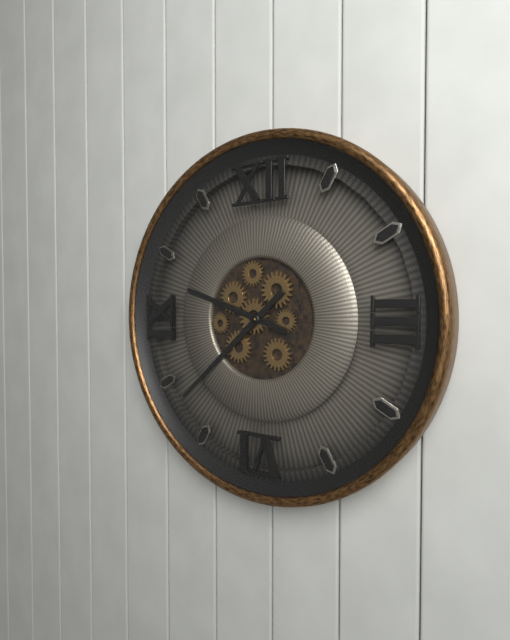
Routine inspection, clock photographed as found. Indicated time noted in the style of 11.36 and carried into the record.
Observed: 9.38
